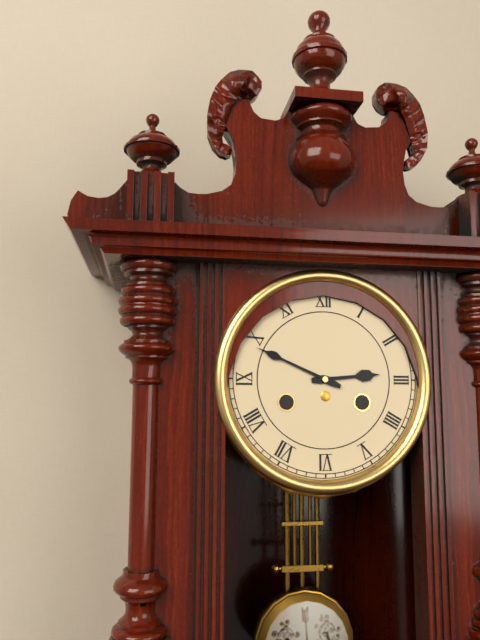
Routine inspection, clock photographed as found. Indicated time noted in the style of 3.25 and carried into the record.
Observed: 2.49
